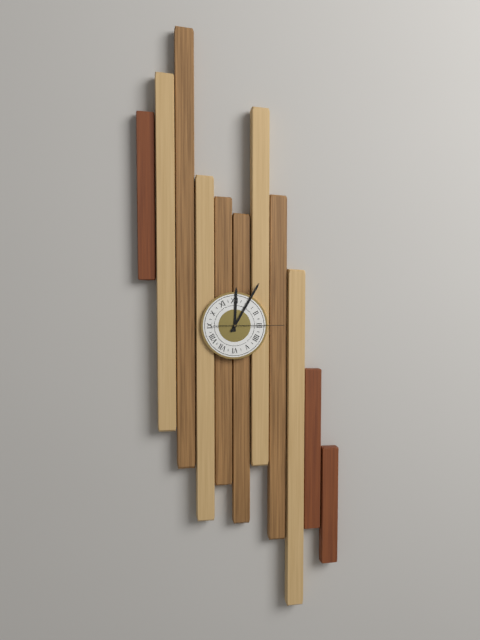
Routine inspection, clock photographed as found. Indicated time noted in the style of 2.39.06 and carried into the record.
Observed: 12.05.15
